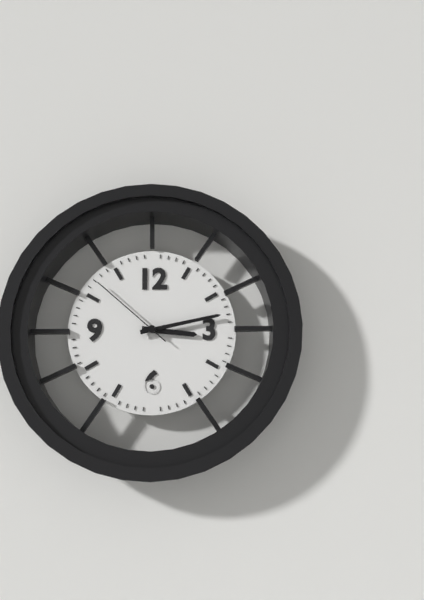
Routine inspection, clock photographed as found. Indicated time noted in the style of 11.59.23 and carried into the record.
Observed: 3.13.52
